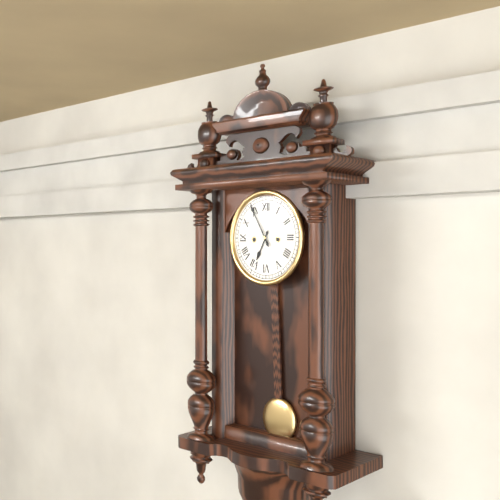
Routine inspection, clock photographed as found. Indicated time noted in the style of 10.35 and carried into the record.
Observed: 6.55
